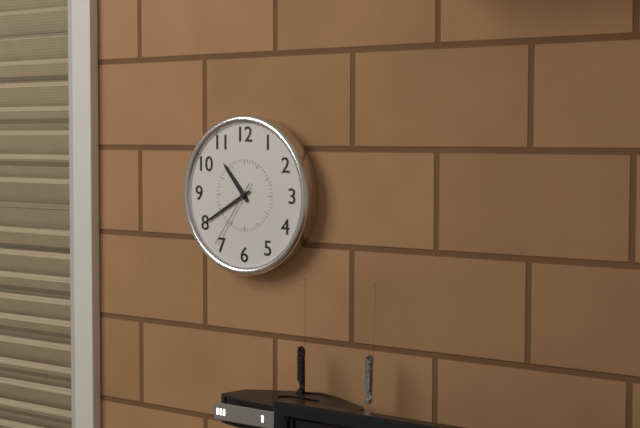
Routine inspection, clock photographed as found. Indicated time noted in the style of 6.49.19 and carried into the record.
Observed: 10.40.36
